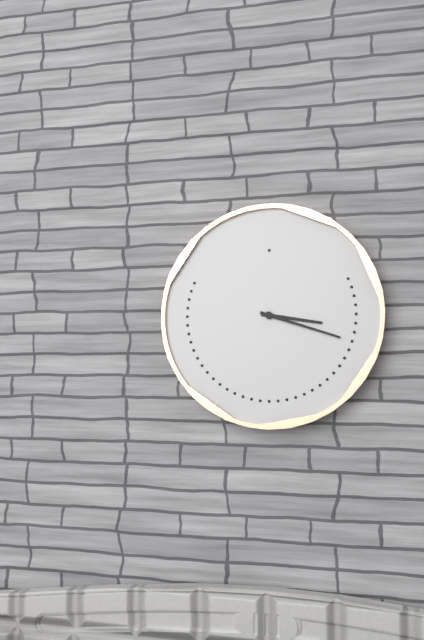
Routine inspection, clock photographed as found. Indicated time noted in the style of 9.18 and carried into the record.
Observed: 3.18
